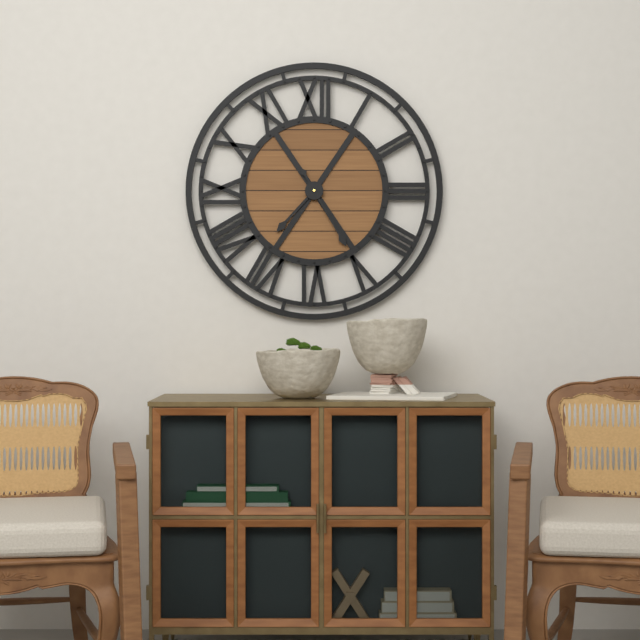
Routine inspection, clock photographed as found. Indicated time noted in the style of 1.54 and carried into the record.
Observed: 7.25
